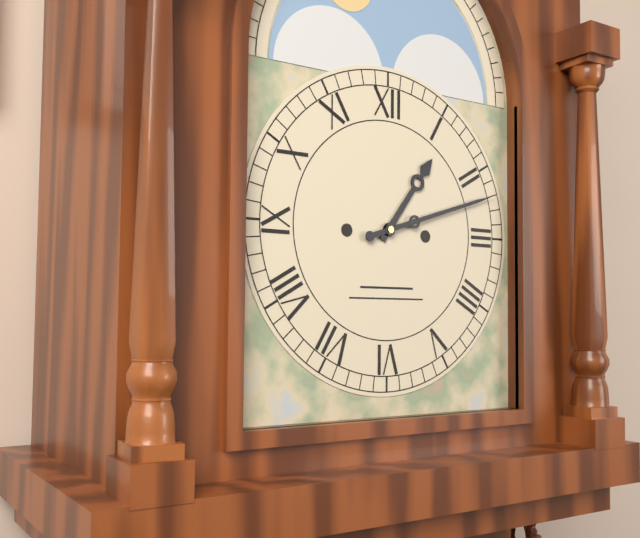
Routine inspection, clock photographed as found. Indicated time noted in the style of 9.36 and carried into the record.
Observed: 1.12
